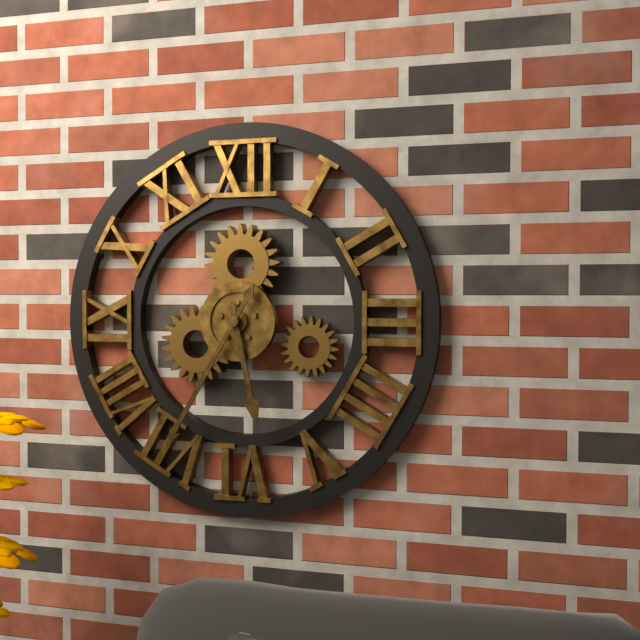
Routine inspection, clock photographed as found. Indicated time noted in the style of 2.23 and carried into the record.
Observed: 5.35
